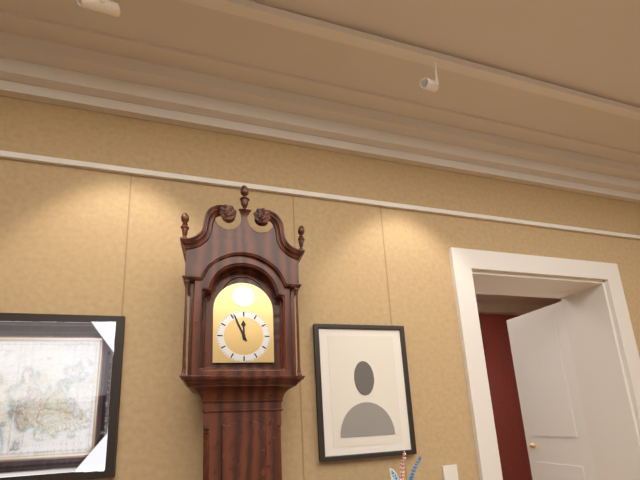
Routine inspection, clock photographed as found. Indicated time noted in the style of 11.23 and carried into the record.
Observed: 11.56
